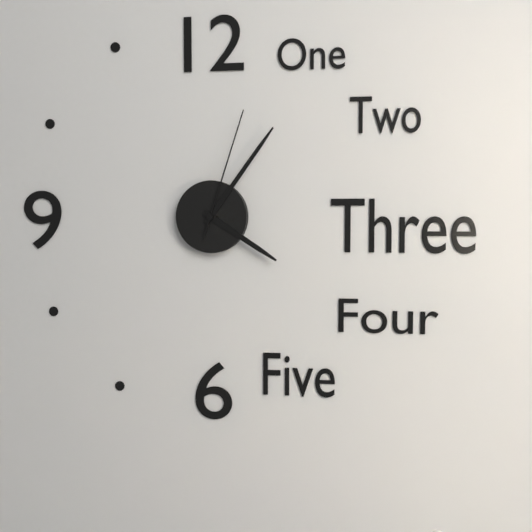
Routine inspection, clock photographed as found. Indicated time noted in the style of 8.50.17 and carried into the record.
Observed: 4.06.03
